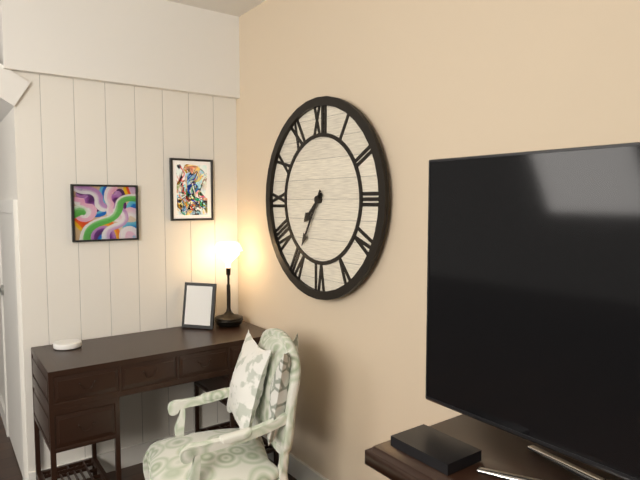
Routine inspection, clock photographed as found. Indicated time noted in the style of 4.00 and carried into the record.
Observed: 7.35
